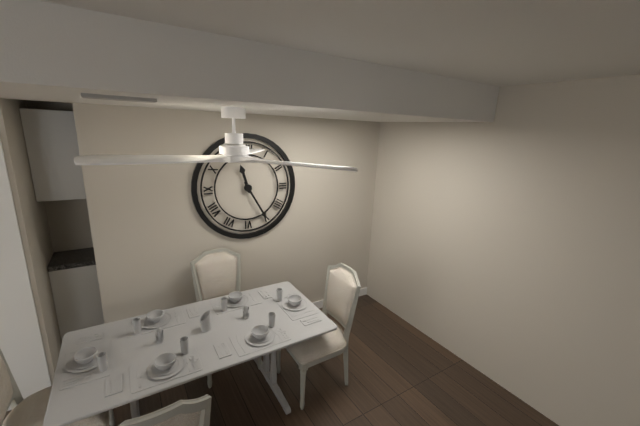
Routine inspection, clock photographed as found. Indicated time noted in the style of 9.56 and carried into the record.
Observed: 11.25
